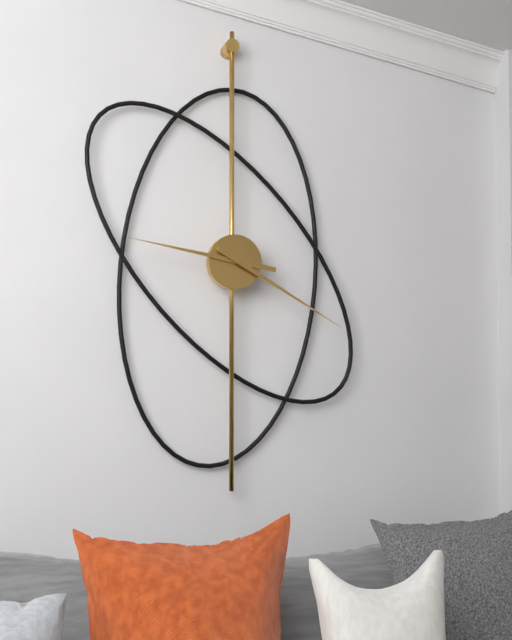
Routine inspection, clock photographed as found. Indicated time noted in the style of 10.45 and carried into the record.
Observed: 9.20
